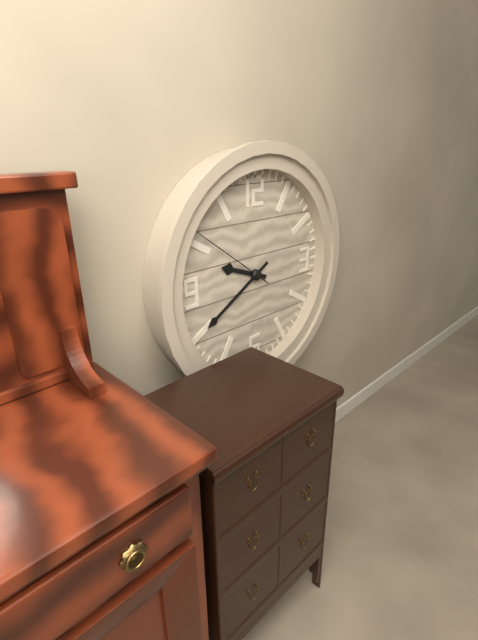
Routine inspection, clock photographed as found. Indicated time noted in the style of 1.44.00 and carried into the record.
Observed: 9.40.51
